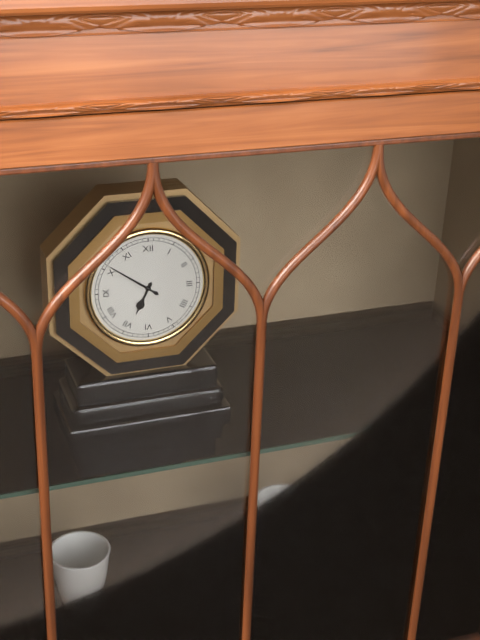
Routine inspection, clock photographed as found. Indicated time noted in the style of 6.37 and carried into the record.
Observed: 6.51
